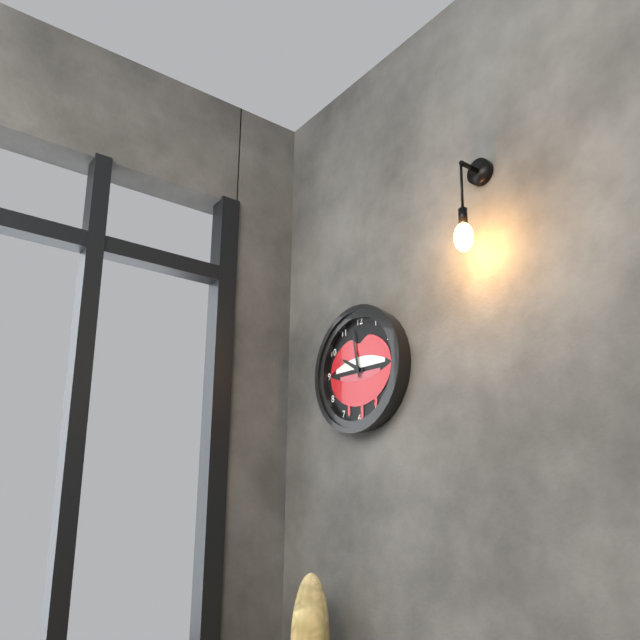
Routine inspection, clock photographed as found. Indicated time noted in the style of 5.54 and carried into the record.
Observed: 9.58
